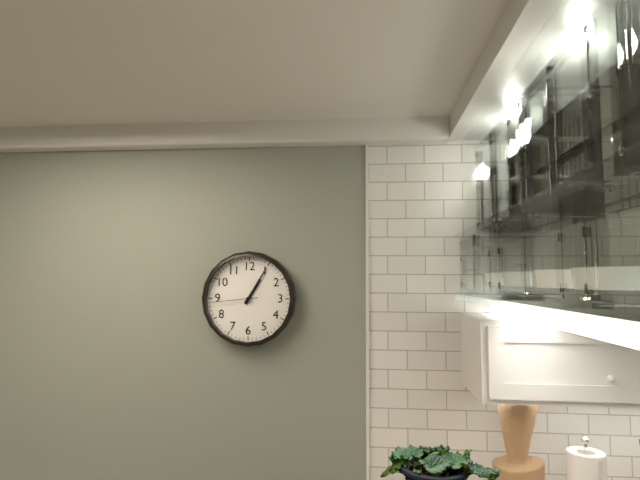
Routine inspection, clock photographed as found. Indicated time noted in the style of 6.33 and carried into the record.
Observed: 1.05
